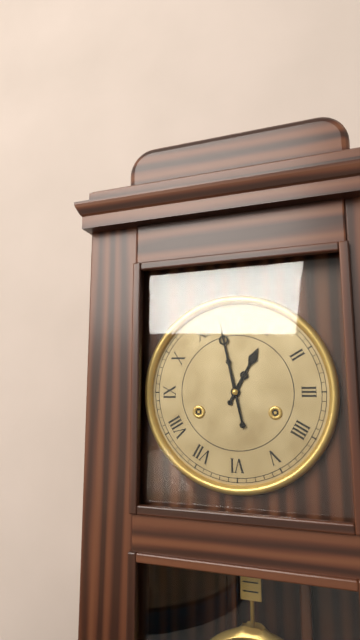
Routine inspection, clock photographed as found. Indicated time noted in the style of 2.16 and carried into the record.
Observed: 12.58
